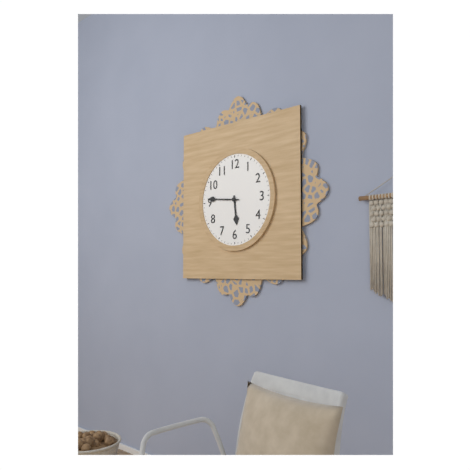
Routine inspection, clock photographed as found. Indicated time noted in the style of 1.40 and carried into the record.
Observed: 5.46
